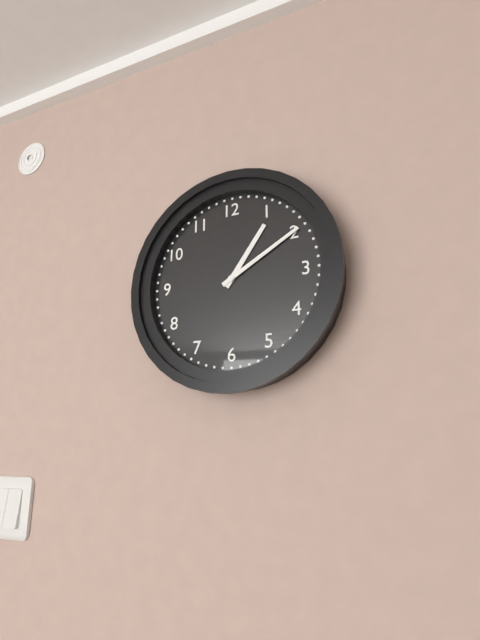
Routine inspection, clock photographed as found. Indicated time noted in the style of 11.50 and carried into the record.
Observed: 1.10
